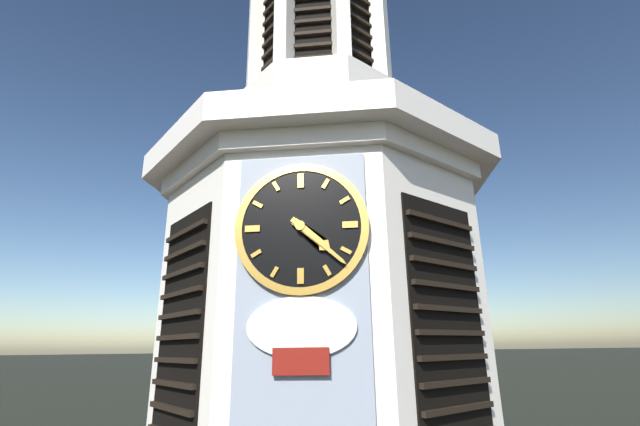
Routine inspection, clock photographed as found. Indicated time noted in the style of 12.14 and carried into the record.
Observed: 4.22
